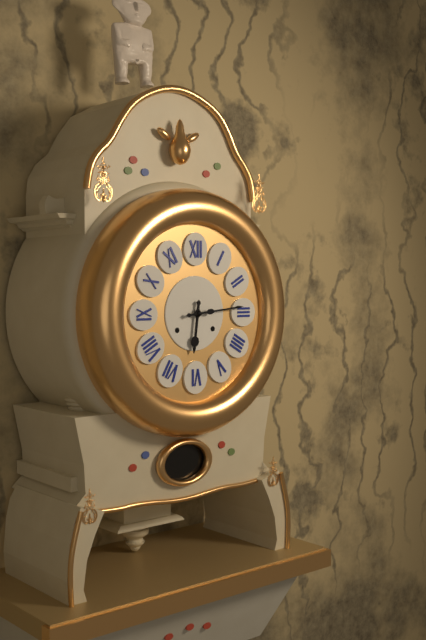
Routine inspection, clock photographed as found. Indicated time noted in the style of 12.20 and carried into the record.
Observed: 6.14
